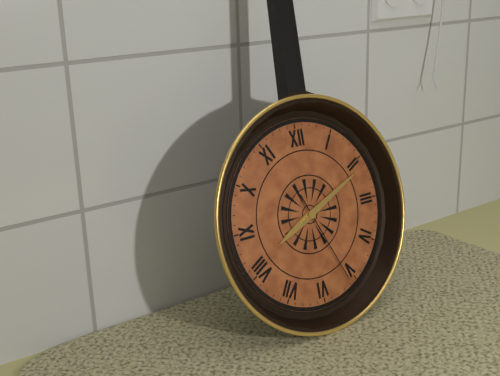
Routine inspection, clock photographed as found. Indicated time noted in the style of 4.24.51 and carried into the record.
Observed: 8.11.26
